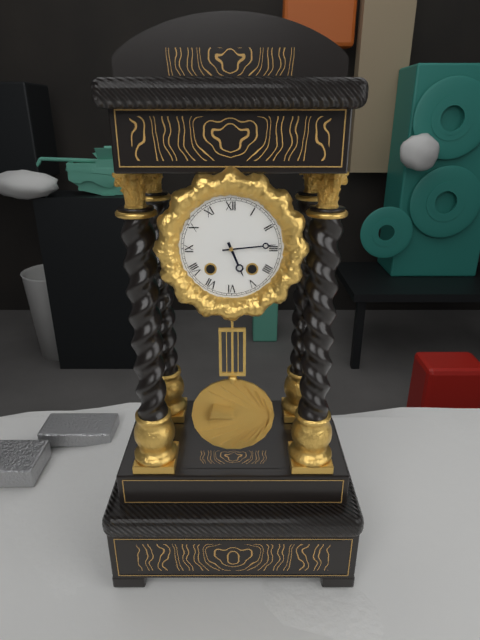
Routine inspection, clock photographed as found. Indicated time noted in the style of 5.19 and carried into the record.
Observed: 5.14
